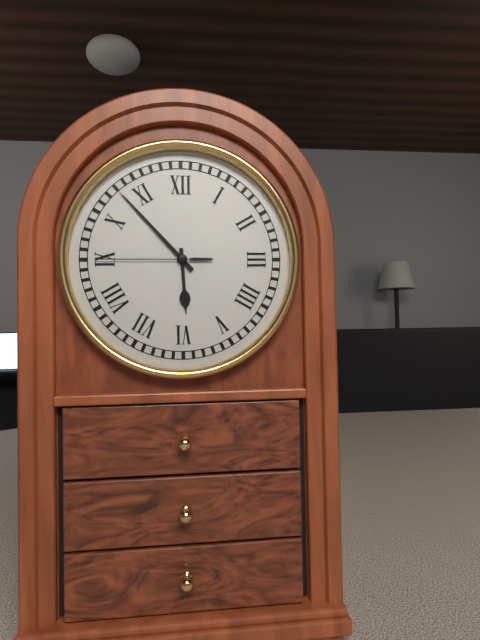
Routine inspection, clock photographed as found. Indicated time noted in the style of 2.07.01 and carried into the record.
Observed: 5.53.45
